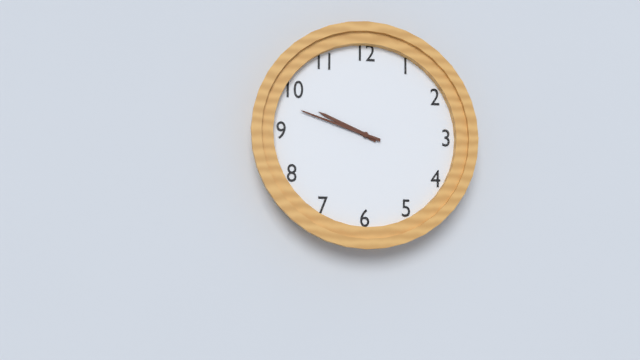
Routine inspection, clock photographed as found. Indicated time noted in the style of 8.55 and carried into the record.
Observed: 9.48
